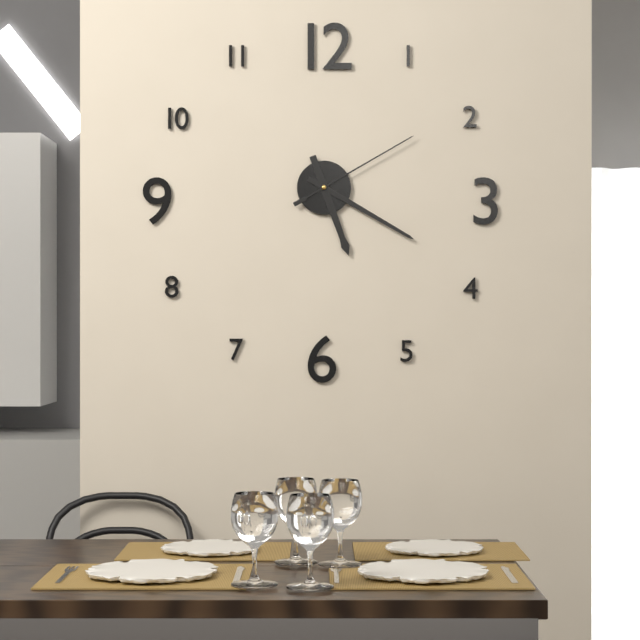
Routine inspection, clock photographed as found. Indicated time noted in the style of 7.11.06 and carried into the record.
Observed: 5.20.10
